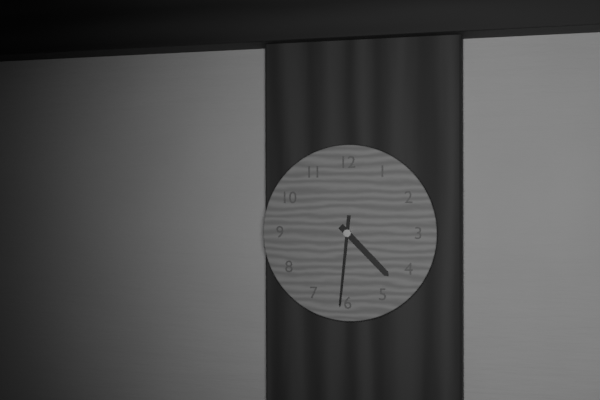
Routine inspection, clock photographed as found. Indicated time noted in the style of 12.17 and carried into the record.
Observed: 4.31
